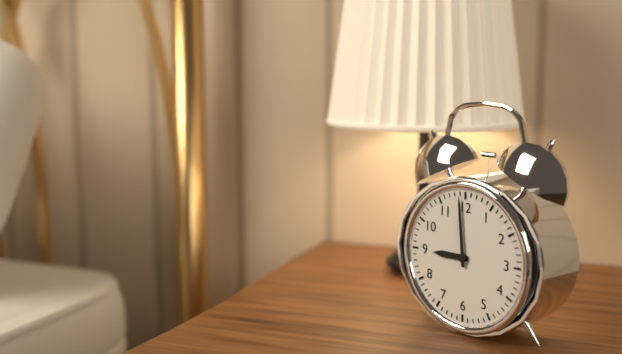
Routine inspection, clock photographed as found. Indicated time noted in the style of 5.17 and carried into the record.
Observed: 8.59
